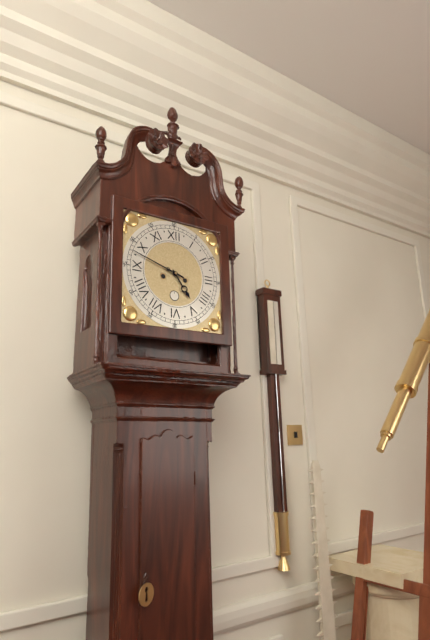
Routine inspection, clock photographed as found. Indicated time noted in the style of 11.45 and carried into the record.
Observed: 4.48
